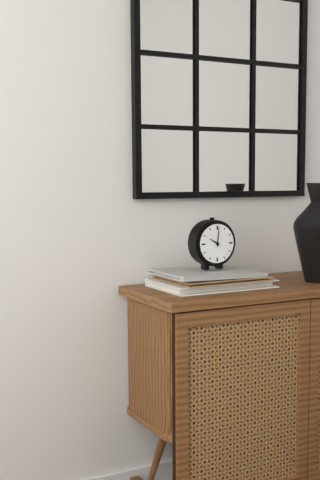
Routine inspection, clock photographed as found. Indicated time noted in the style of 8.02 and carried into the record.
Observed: 10.01
